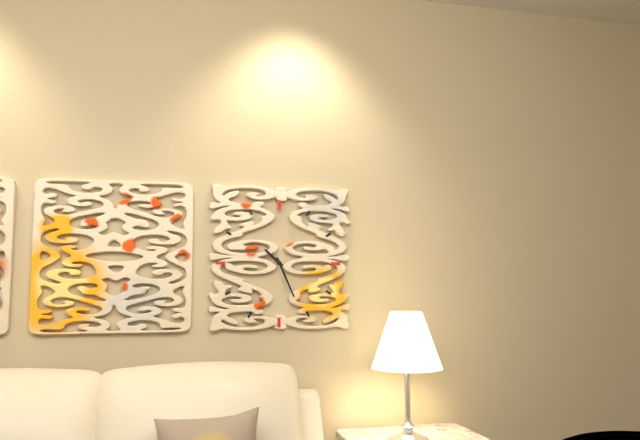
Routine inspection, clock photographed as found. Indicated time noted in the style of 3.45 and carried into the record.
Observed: 10.26
